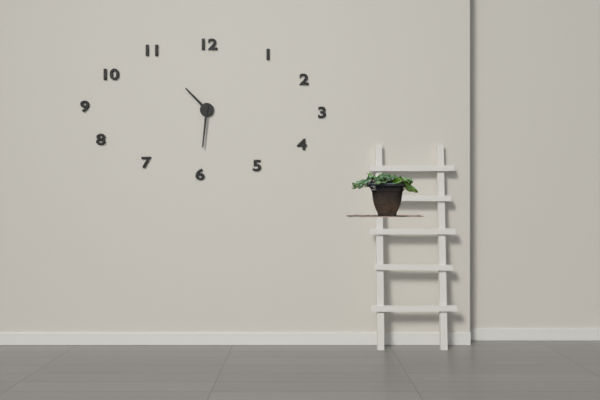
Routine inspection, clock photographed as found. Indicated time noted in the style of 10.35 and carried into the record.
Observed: 10.31
